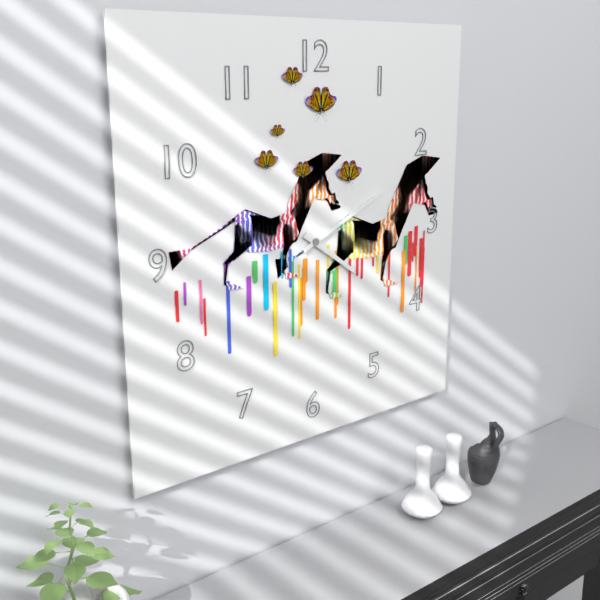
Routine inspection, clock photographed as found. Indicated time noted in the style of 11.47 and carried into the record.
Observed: 4.11
